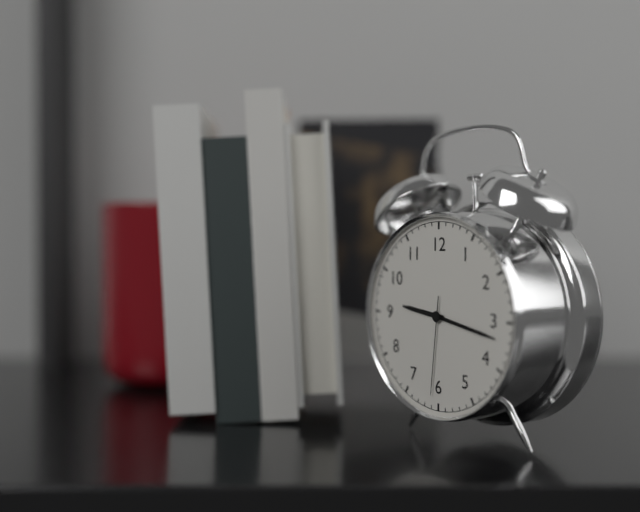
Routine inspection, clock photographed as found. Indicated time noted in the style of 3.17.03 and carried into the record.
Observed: 9.17.31
